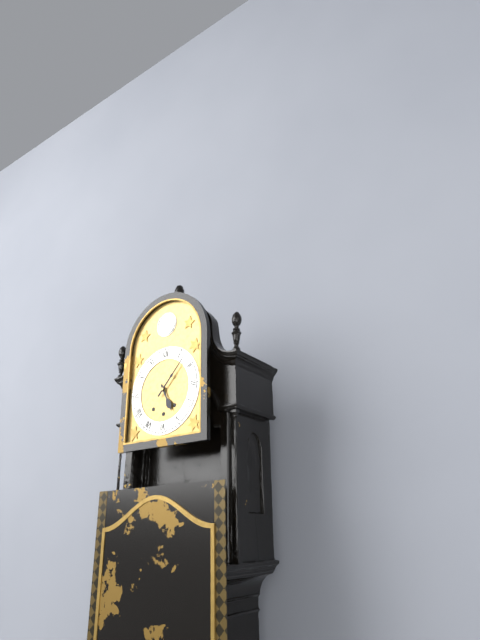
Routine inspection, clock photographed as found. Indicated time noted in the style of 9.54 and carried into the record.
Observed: 5.07
